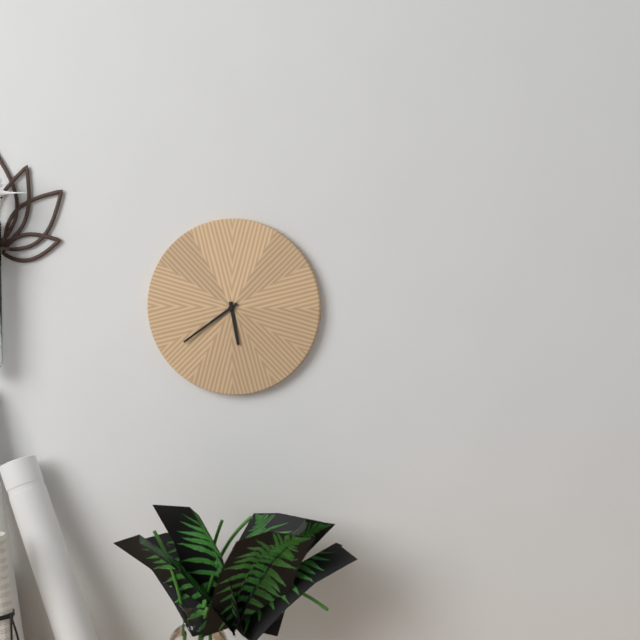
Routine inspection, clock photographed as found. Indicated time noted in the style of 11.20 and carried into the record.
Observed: 5.39
